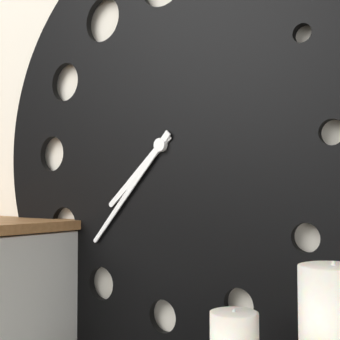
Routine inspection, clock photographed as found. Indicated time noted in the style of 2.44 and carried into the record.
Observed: 7.37
